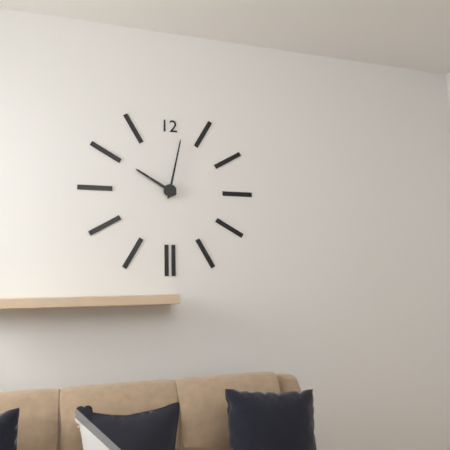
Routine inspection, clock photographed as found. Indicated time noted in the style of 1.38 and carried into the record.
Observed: 10.02
